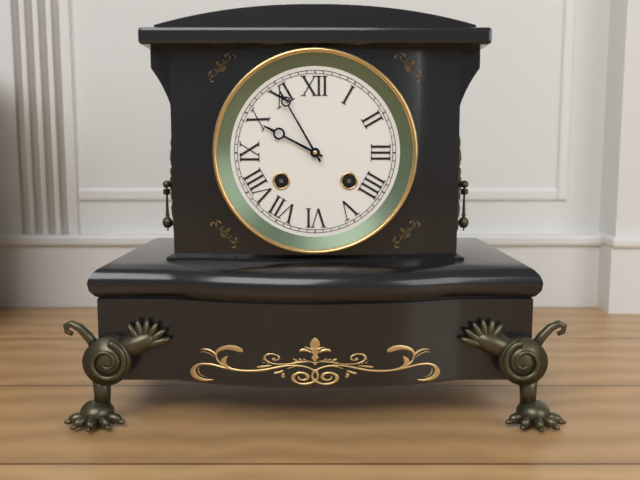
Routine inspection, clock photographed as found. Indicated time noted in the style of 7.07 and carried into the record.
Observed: 9.55
